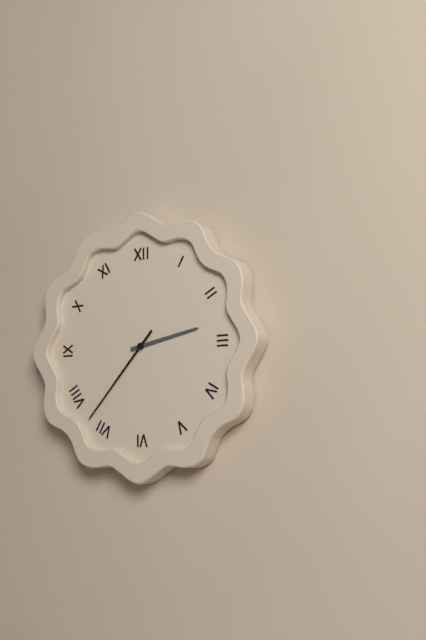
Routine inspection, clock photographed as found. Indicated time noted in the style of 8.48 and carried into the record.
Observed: 2.37
